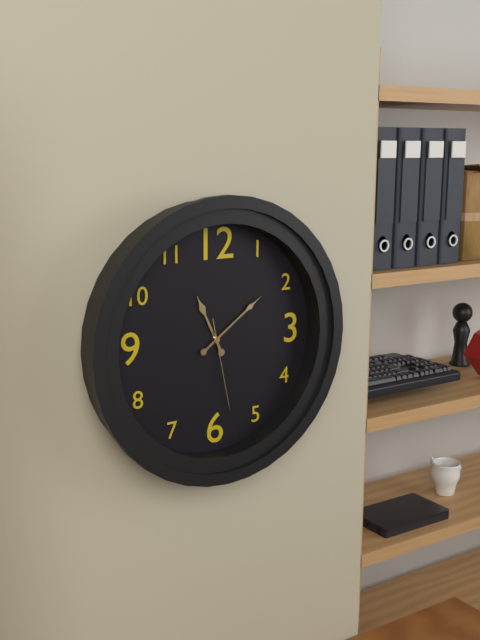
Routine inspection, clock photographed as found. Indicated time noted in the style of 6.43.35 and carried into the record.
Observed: 11.09.28
